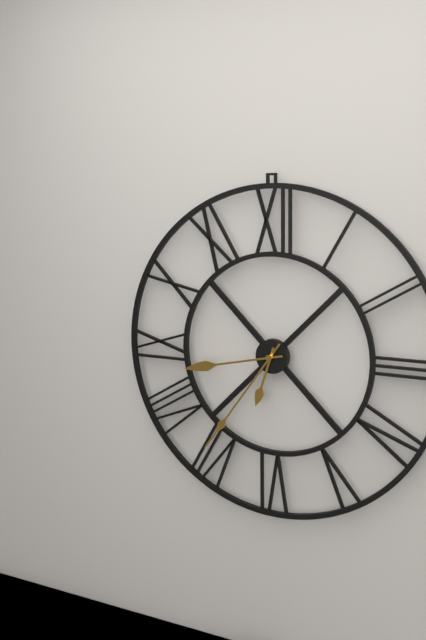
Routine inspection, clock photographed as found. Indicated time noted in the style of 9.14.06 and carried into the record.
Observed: 6.36.43
